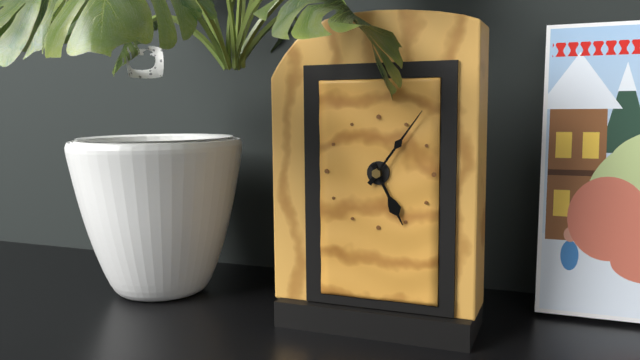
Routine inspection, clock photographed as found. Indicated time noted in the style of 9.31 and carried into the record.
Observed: 5.06
